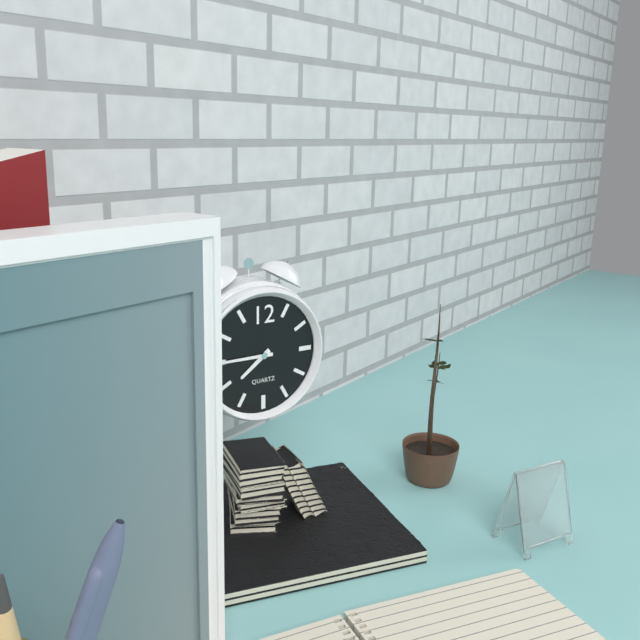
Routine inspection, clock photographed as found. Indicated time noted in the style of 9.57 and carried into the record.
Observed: 7.45
